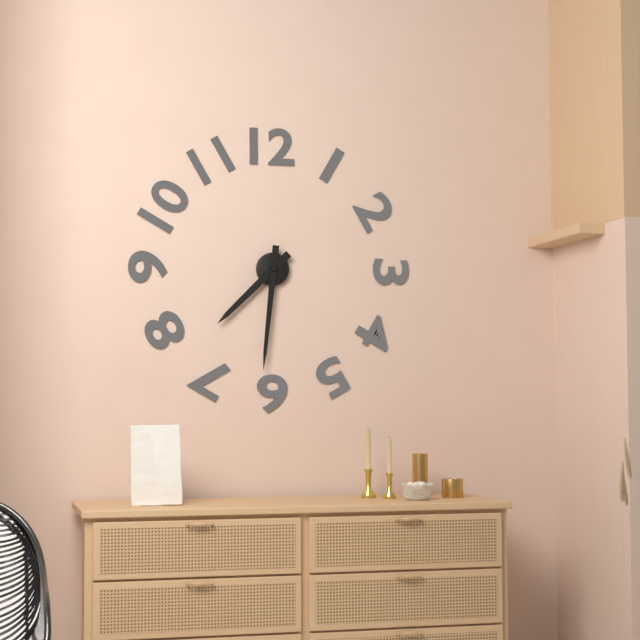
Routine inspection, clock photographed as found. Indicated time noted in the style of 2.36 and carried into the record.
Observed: 7.31
